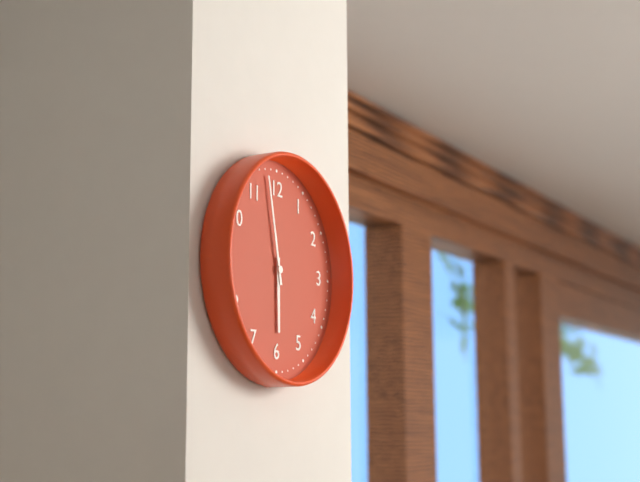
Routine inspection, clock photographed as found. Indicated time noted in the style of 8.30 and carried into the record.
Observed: 5.58
